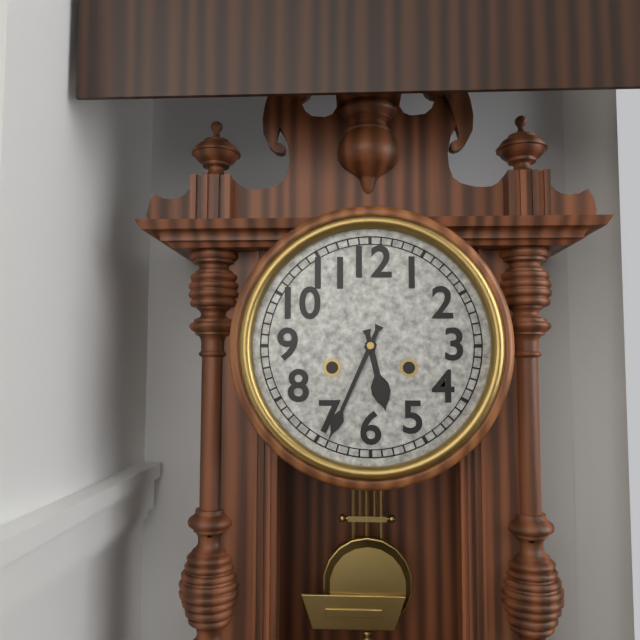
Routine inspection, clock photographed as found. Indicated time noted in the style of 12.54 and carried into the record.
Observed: 5.34
